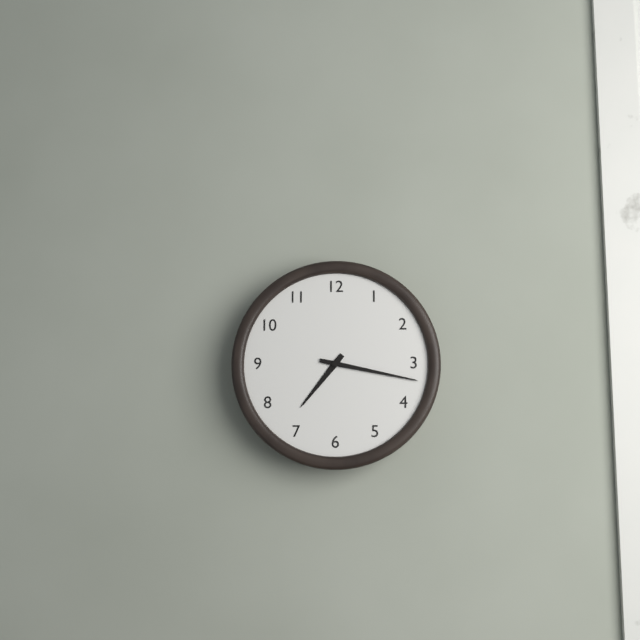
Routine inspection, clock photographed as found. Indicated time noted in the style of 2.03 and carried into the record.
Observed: 7.17
